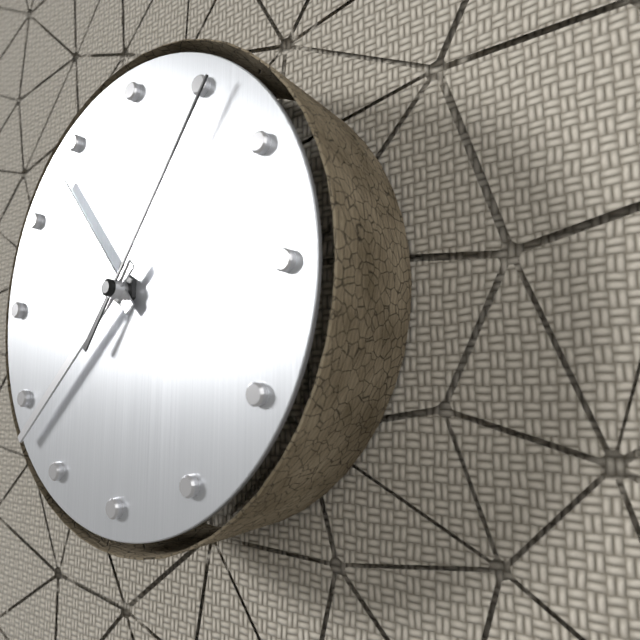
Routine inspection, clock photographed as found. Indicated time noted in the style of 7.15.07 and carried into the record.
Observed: 10.38.06
